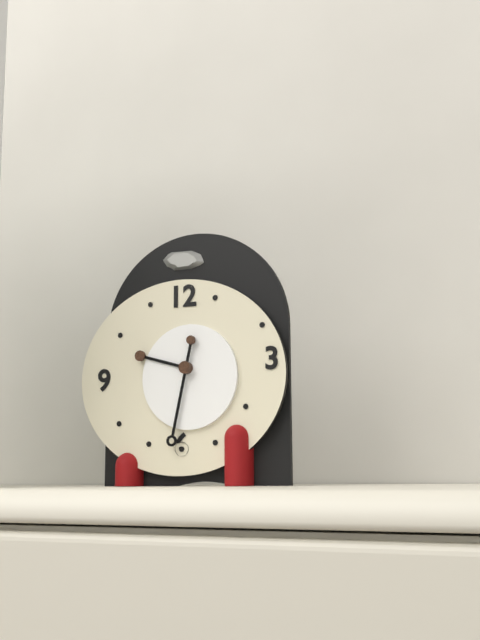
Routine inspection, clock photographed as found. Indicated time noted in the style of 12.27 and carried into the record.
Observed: 9.32
